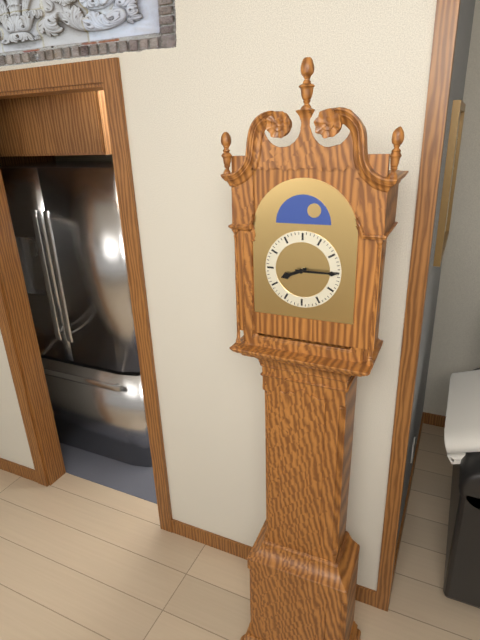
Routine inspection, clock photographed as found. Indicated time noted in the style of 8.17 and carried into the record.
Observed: 8.15
